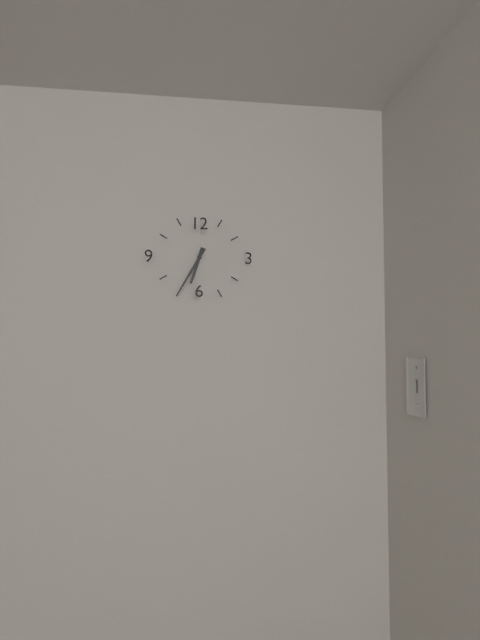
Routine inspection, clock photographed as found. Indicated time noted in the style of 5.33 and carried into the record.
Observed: 6.35
